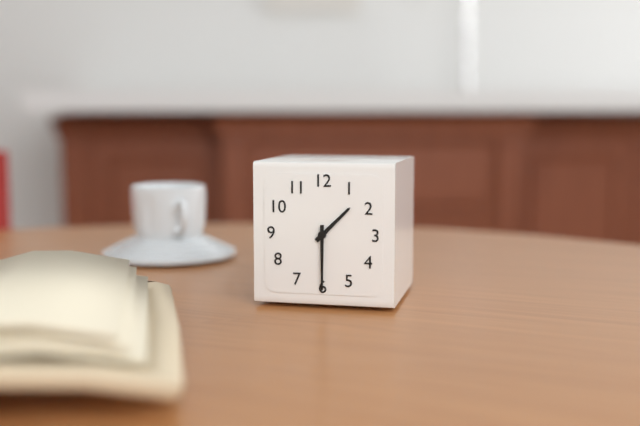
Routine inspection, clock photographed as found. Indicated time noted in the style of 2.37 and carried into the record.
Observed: 1.30
